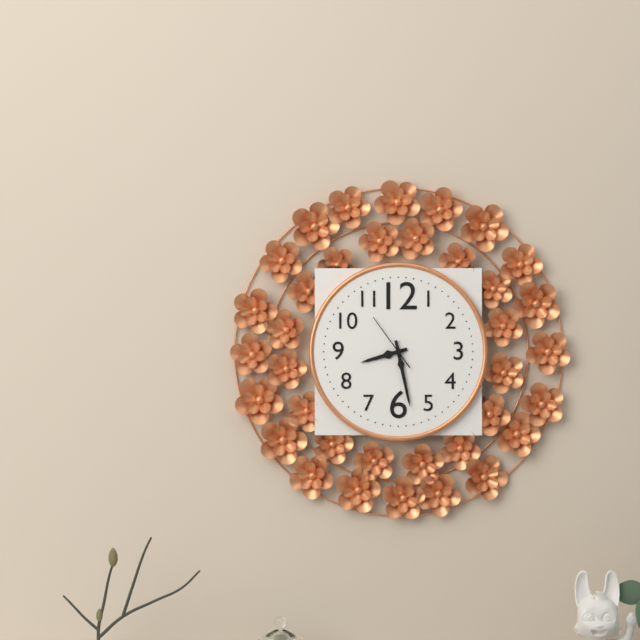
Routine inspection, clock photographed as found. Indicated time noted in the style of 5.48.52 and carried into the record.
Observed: 8.28.54
